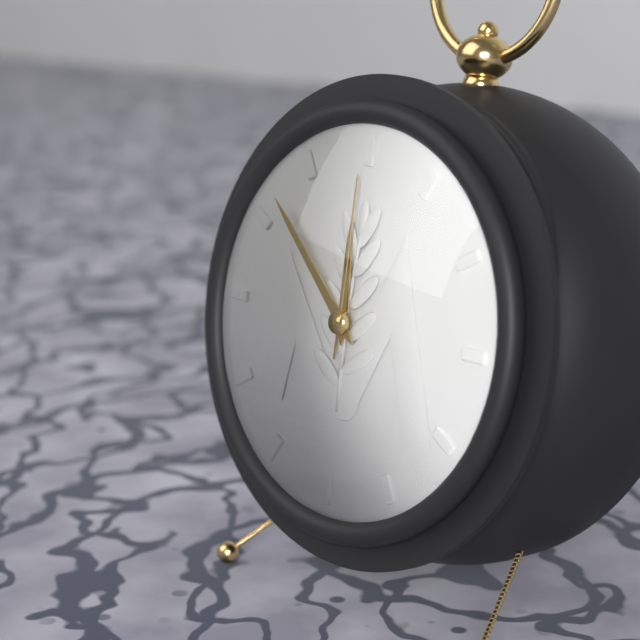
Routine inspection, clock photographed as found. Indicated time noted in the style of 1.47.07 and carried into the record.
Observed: 11.52.00
